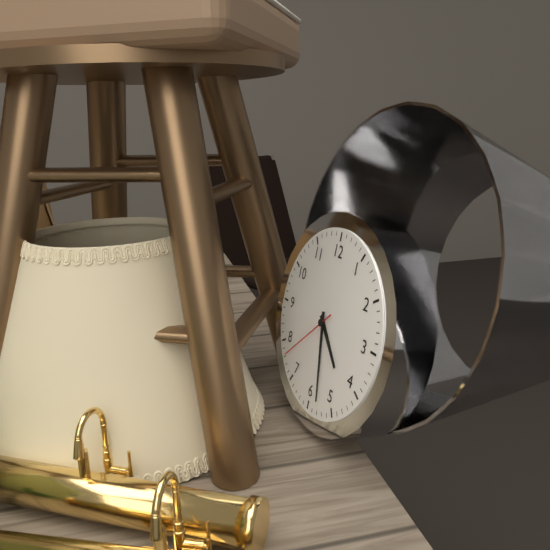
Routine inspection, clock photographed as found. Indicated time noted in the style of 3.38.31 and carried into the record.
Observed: 4.28.38
